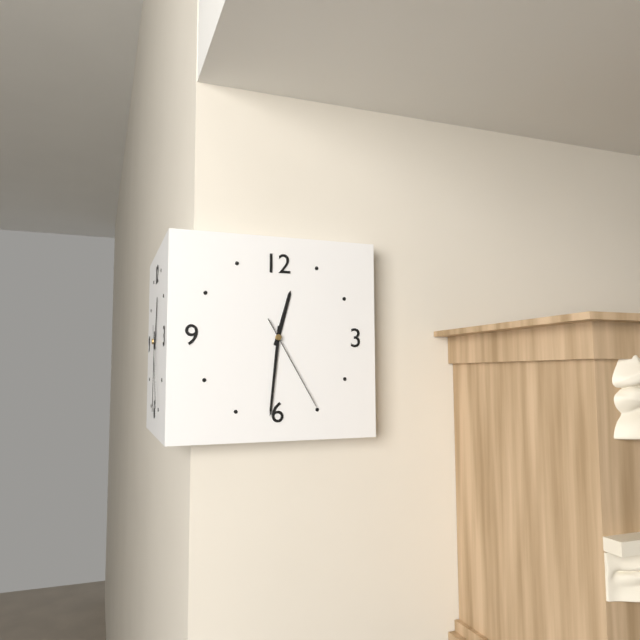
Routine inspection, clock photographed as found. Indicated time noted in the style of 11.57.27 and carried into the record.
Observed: 12.31.25
